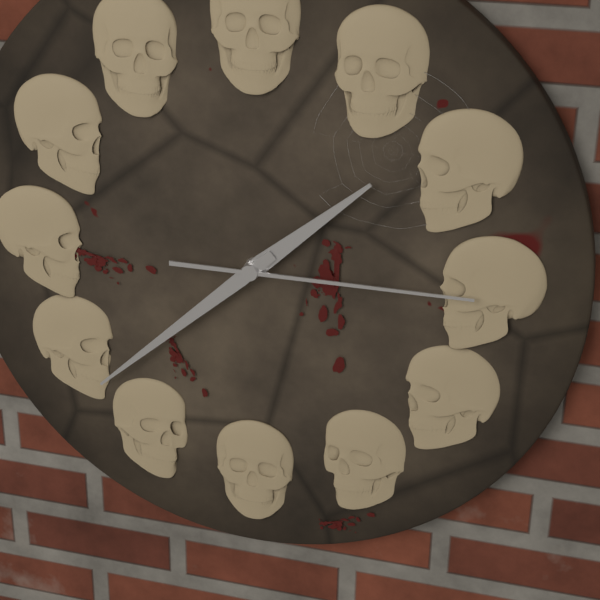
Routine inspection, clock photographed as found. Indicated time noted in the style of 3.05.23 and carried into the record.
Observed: 1.38.15
